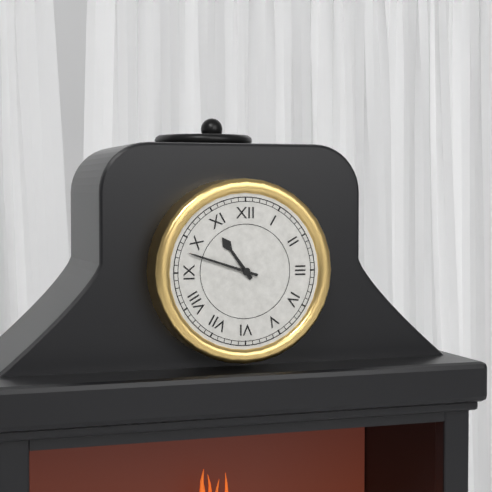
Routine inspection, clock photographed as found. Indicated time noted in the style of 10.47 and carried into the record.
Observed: 10.48
